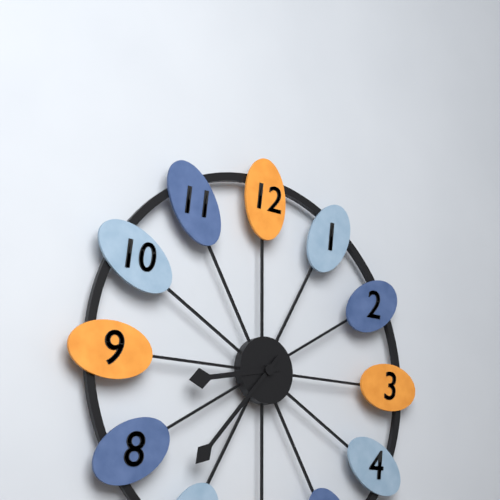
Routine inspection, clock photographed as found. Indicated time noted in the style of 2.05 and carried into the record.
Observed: 8.37
